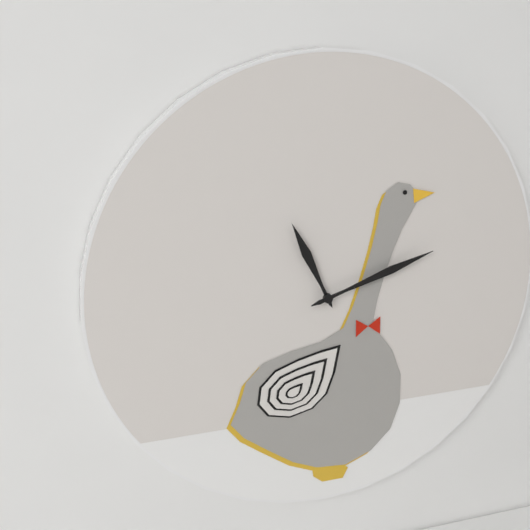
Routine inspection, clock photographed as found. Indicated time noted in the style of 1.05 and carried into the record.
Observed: 11.12
